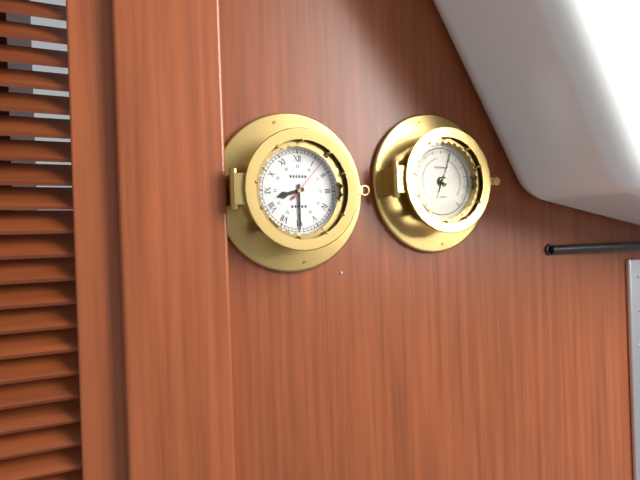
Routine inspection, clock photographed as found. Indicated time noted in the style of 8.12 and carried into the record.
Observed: 8.30
